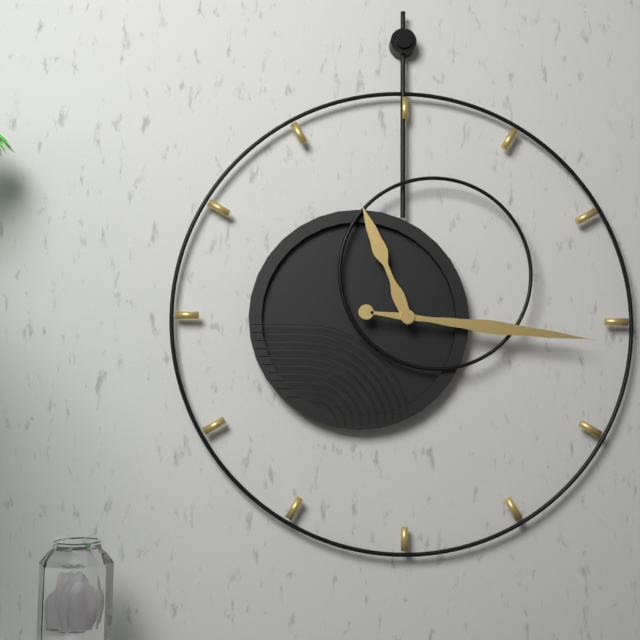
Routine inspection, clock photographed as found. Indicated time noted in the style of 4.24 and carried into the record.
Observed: 11.16
